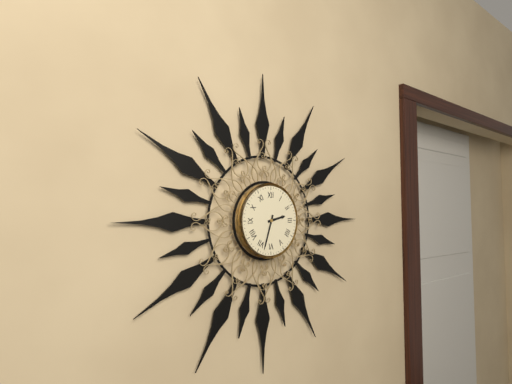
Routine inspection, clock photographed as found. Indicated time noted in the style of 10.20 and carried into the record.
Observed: 2.33
